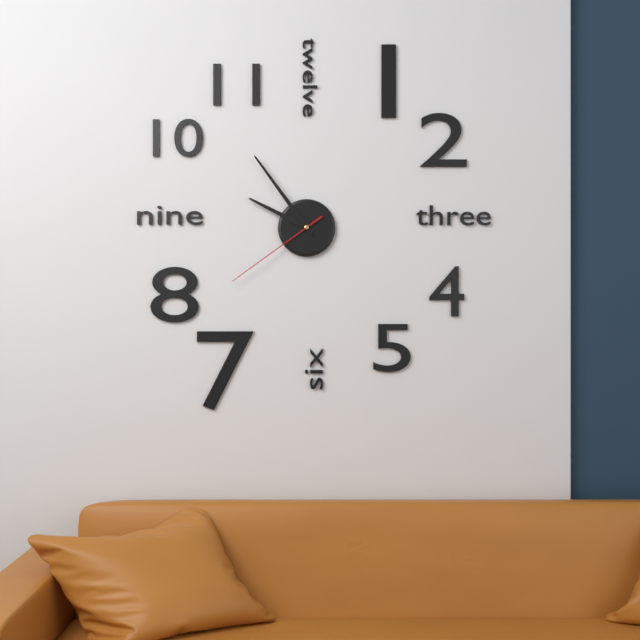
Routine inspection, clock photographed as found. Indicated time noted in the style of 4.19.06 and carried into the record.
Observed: 9.54.39
